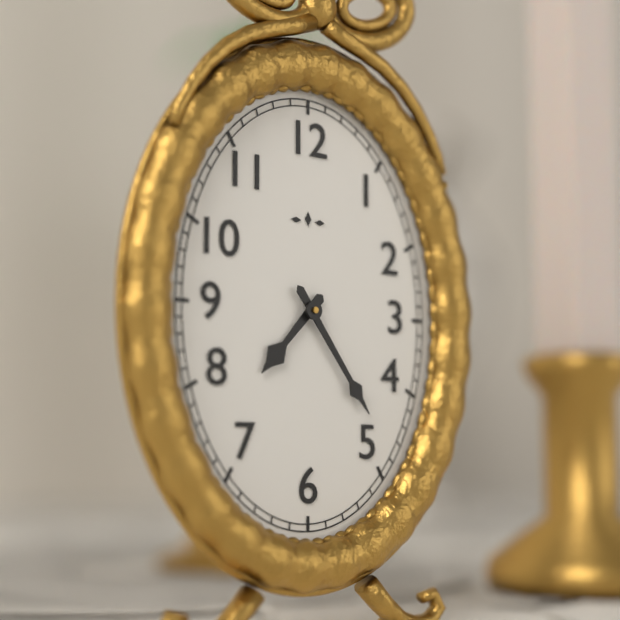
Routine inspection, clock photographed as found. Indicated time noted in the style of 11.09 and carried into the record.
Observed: 7.24
